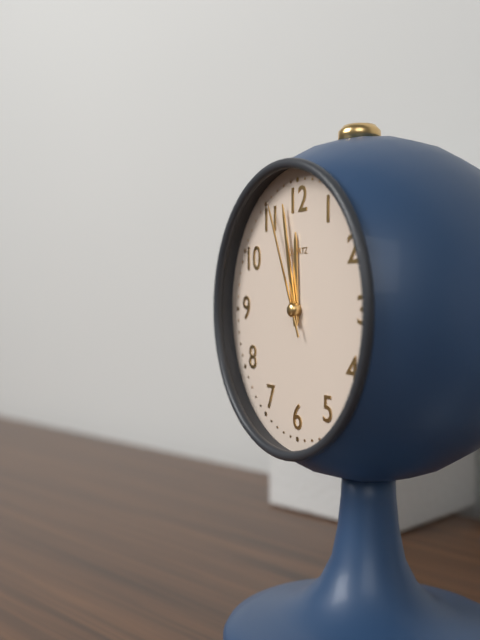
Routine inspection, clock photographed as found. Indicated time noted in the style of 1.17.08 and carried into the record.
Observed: 11.58.56
